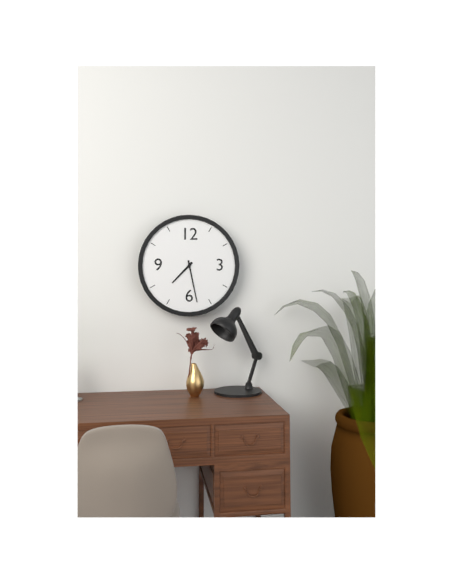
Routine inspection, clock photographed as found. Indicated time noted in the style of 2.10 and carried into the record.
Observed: 7.28
